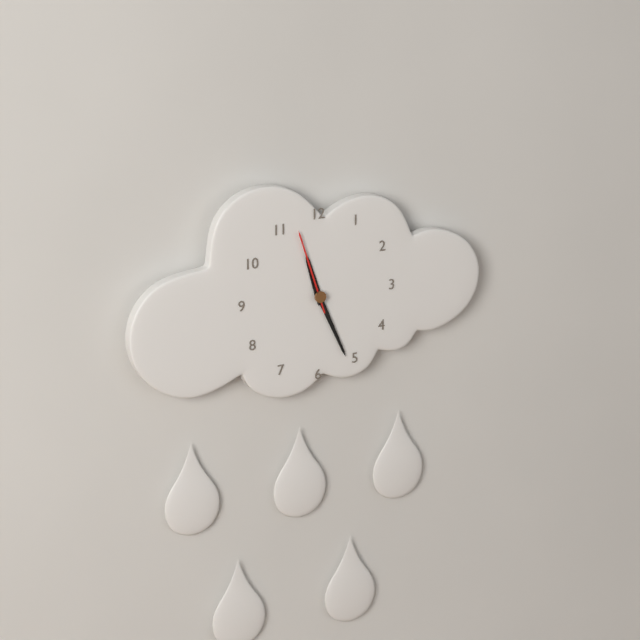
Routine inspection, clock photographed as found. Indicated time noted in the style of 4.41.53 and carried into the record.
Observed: 11.26.57
